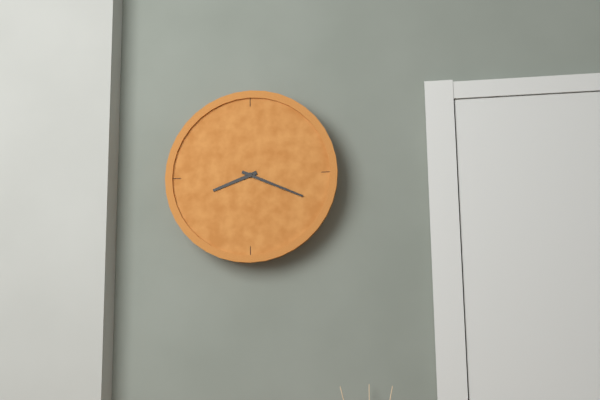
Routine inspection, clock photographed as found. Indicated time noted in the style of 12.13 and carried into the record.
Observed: 8.19
